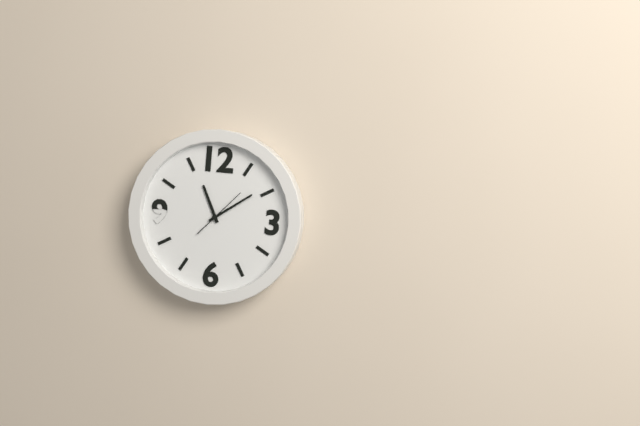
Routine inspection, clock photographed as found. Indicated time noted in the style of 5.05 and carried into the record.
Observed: 11.09
